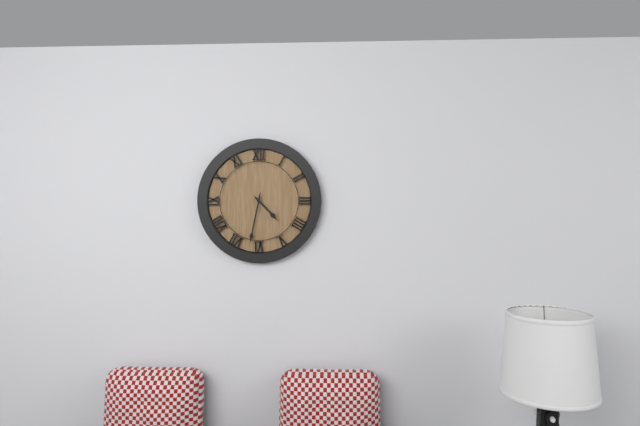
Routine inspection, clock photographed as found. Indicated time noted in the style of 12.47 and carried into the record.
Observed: 4.32
